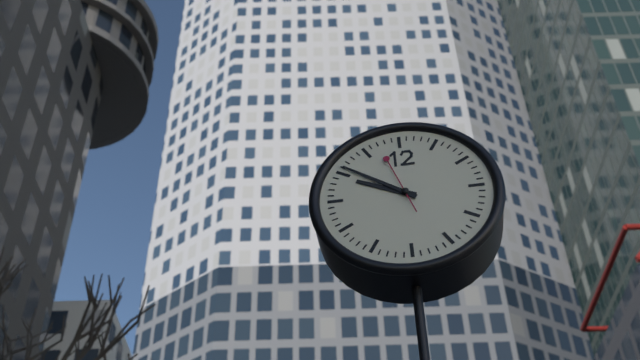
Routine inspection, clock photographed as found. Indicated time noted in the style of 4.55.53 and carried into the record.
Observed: 9.51.57
